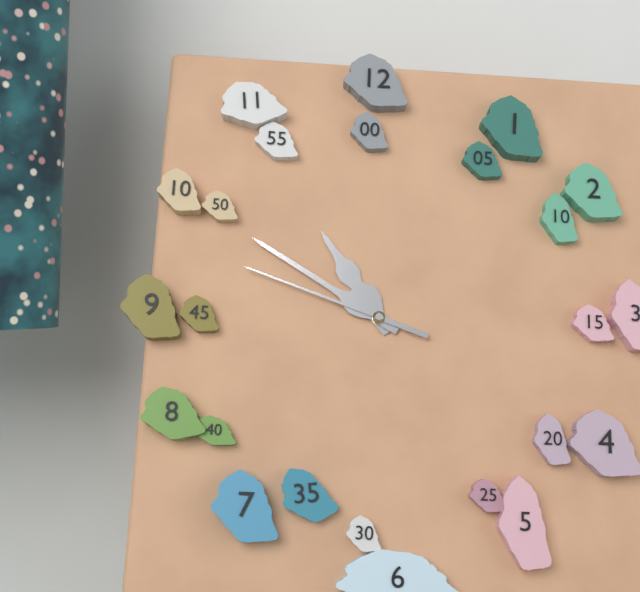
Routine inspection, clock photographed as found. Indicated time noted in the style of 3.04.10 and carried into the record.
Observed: 10.50.48
